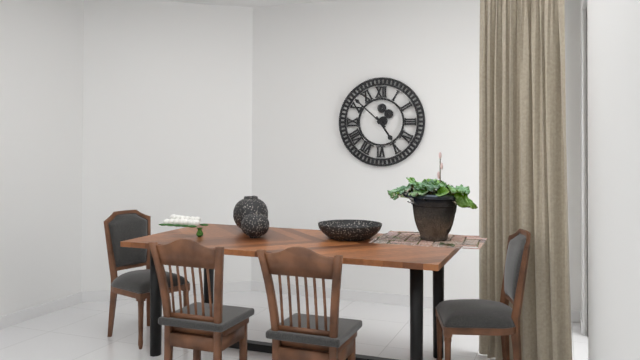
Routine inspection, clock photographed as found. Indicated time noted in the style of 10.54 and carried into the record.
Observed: 4.52
